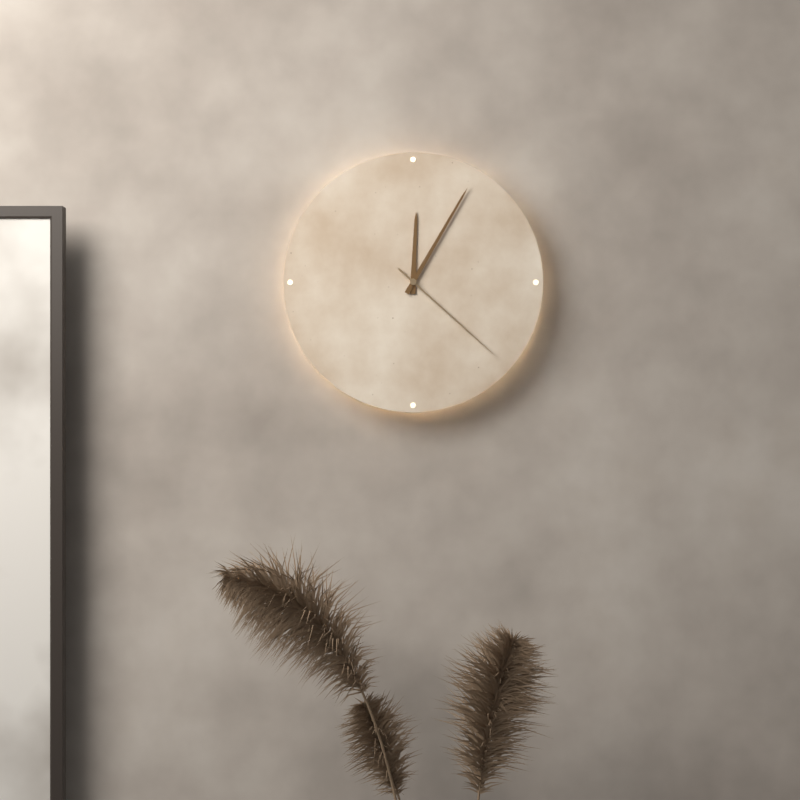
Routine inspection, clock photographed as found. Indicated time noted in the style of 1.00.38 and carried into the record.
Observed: 12.05.22
